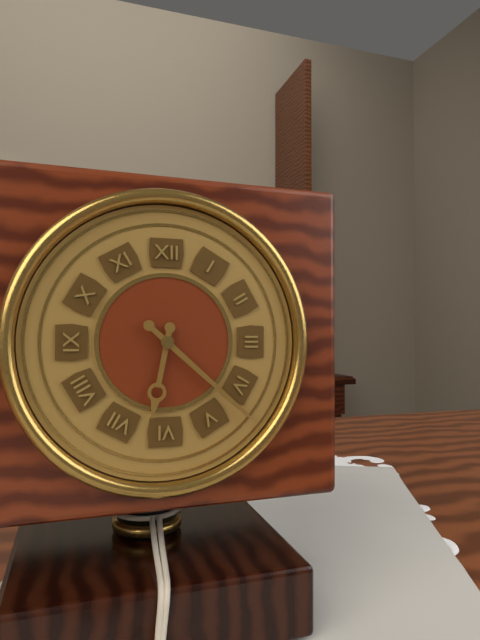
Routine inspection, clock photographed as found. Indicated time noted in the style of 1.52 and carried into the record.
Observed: 6.22
